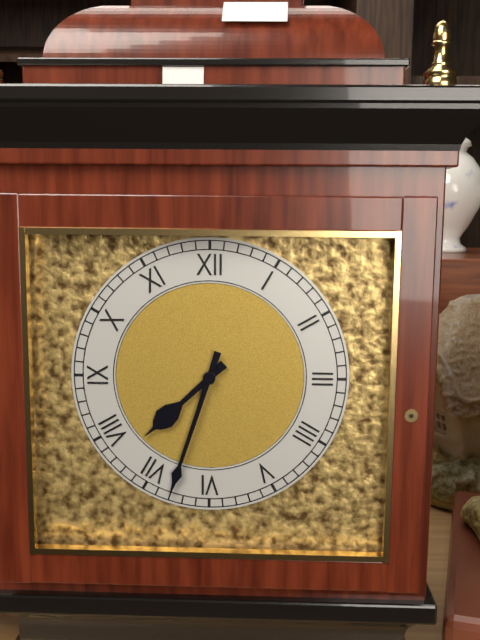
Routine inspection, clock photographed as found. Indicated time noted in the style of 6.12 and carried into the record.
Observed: 7.33
